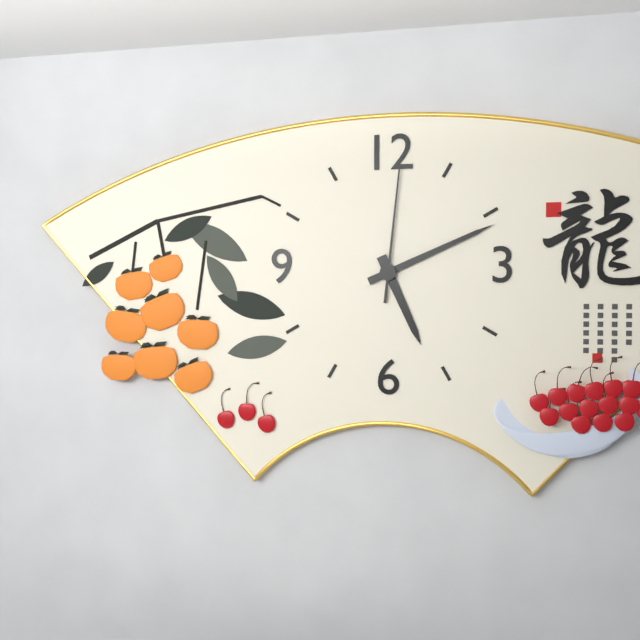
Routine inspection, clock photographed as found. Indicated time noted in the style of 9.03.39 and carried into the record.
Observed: 5.11.01
